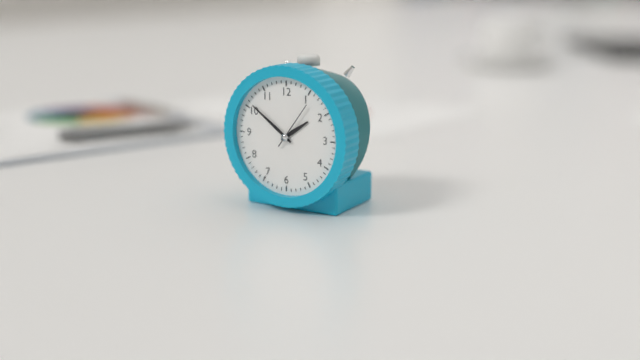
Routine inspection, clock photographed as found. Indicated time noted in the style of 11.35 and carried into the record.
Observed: 1.51
